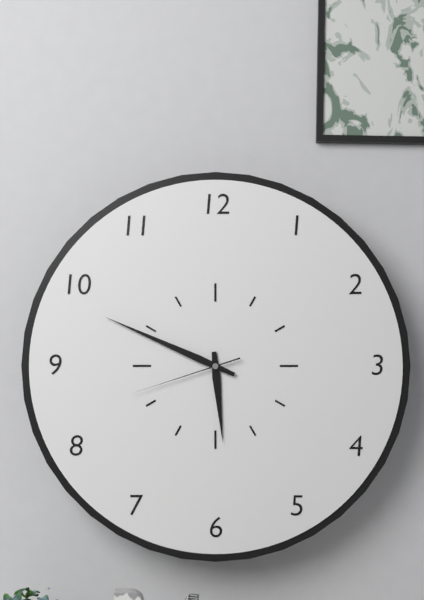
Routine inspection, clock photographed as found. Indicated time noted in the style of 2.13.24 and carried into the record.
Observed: 5.49.42
